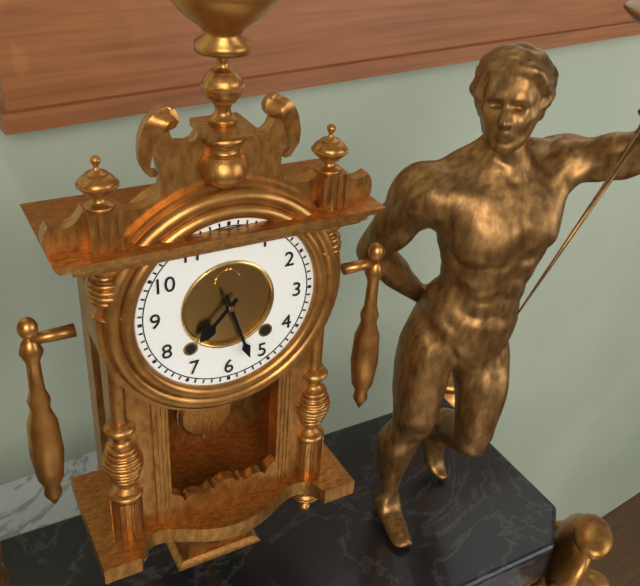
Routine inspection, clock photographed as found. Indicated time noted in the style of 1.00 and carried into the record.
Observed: 7.27
